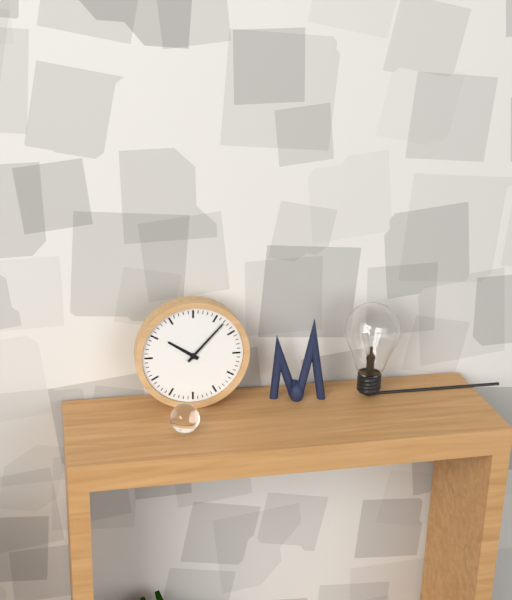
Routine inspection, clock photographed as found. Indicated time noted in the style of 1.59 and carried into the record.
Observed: 10.07
